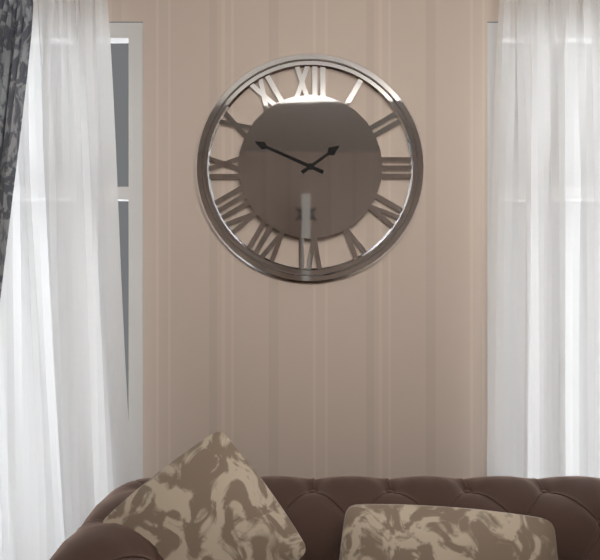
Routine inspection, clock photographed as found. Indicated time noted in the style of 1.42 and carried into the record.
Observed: 1.49
